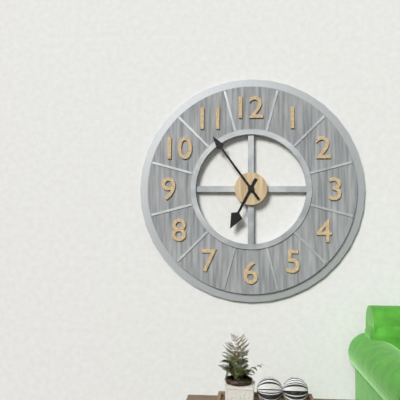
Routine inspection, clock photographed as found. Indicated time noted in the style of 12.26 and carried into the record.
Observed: 6.54
